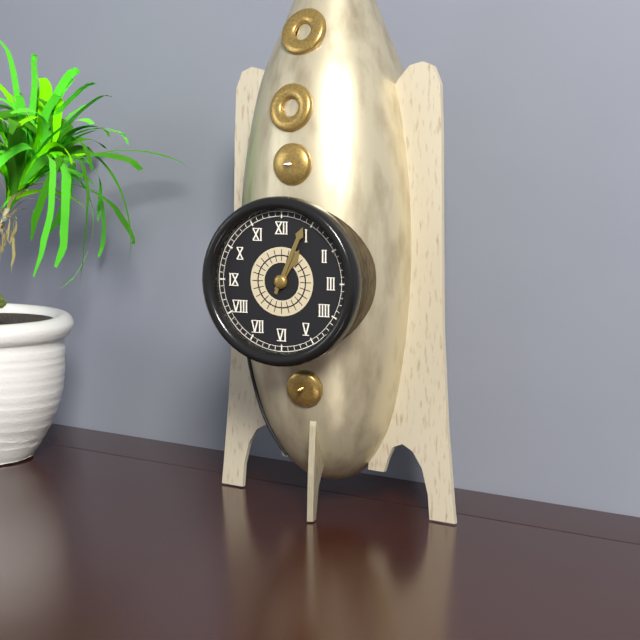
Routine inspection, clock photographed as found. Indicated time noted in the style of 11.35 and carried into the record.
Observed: 1.04
